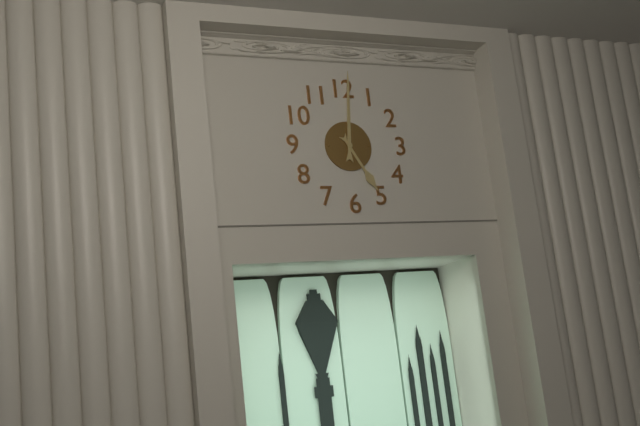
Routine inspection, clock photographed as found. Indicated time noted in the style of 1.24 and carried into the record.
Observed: 5.01
